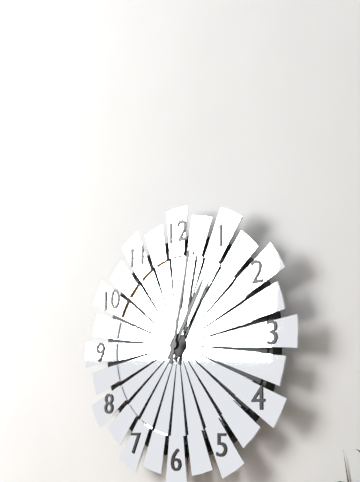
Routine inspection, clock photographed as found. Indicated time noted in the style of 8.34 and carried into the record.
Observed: 1.02
